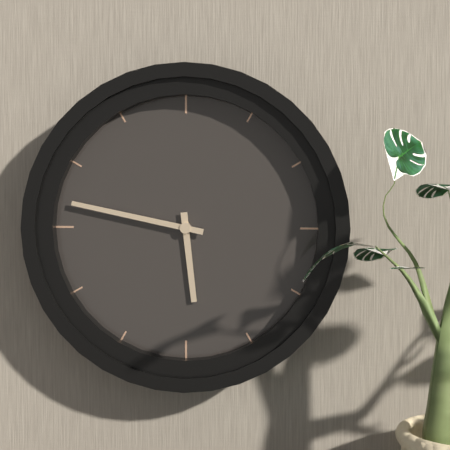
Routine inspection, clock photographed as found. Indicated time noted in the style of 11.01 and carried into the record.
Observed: 5.47
